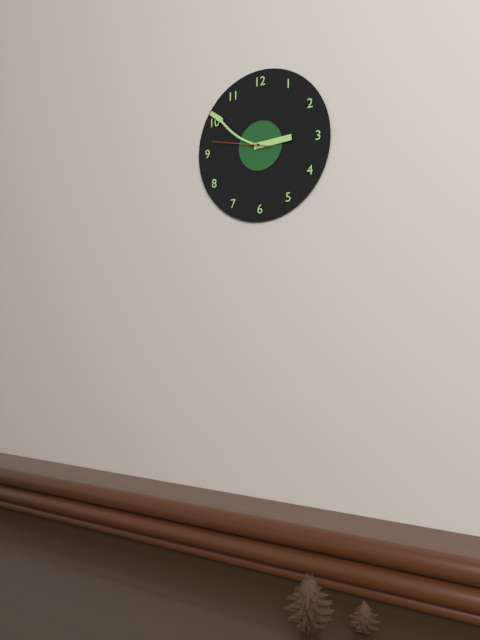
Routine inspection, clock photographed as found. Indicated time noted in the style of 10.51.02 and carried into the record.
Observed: 2.51.47
